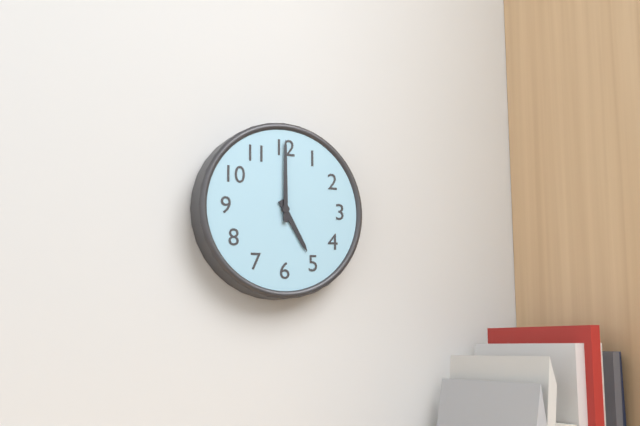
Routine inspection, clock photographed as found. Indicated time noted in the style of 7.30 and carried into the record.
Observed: 5.00
